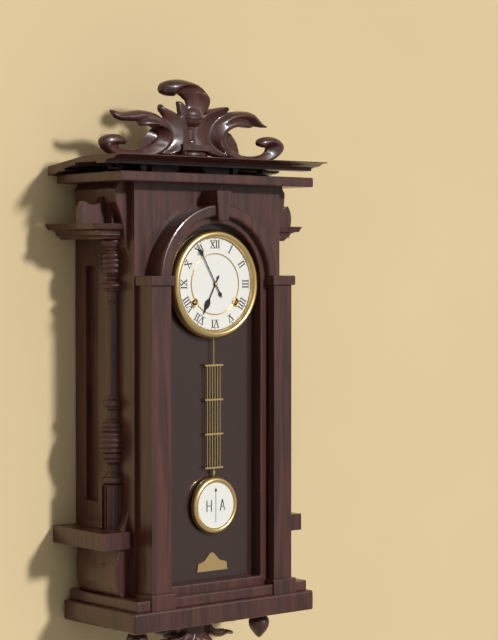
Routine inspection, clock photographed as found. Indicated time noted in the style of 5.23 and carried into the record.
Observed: 6.55
